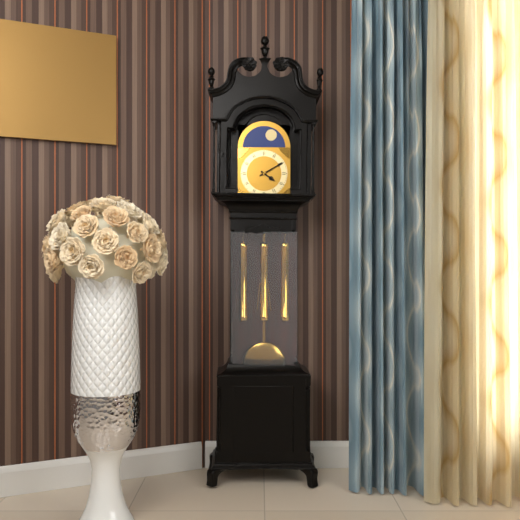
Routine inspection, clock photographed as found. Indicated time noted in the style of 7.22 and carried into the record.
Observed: 4.10
